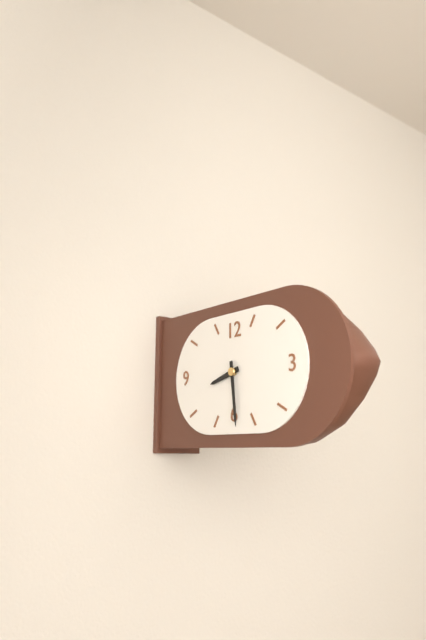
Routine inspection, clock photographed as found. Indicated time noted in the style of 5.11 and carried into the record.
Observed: 8.29
